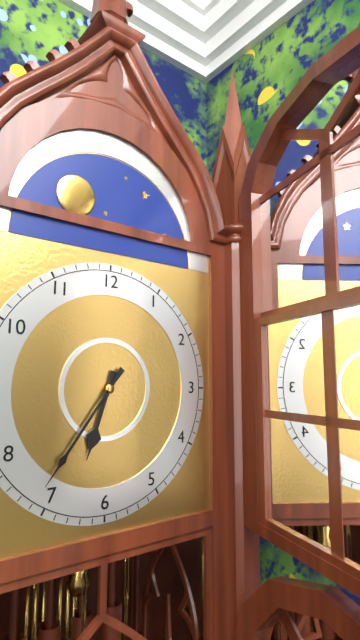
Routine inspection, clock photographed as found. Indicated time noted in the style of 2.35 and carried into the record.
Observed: 6.36
